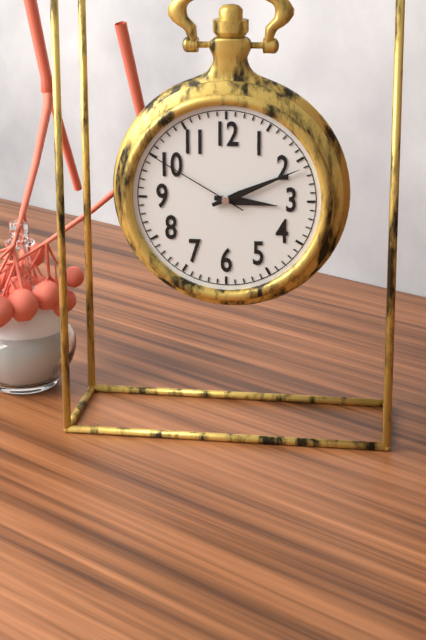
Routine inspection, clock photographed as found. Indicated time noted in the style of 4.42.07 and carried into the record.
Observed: 3.11.50
